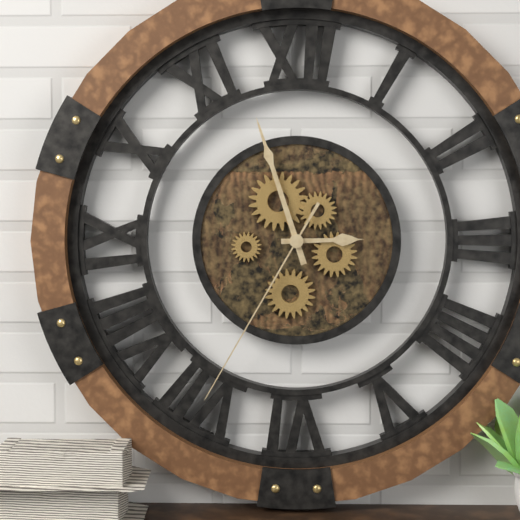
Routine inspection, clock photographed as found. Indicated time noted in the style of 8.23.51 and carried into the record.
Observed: 2.57.35
